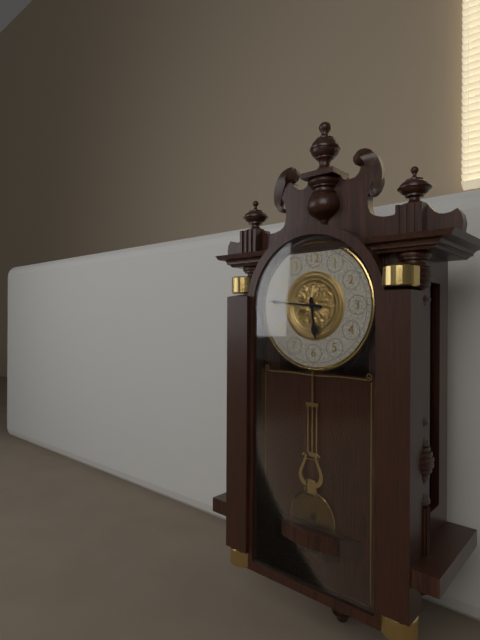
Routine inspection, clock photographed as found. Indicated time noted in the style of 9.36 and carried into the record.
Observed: 5.46
